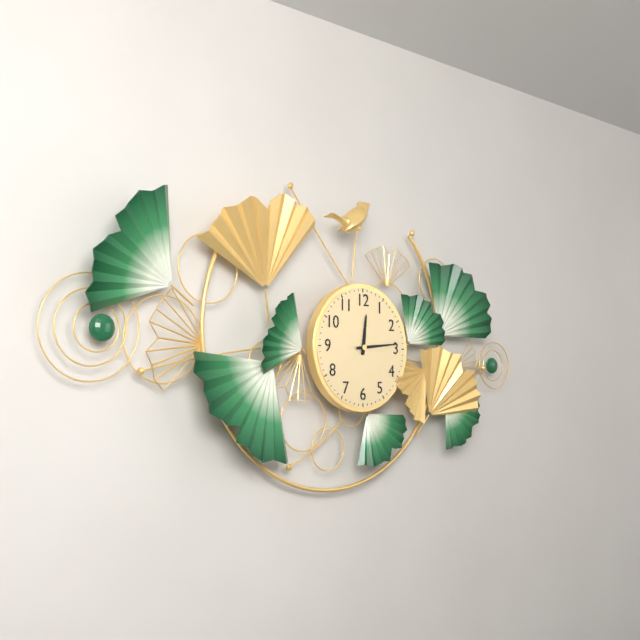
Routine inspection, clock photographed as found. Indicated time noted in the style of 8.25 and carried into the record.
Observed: 12.14
